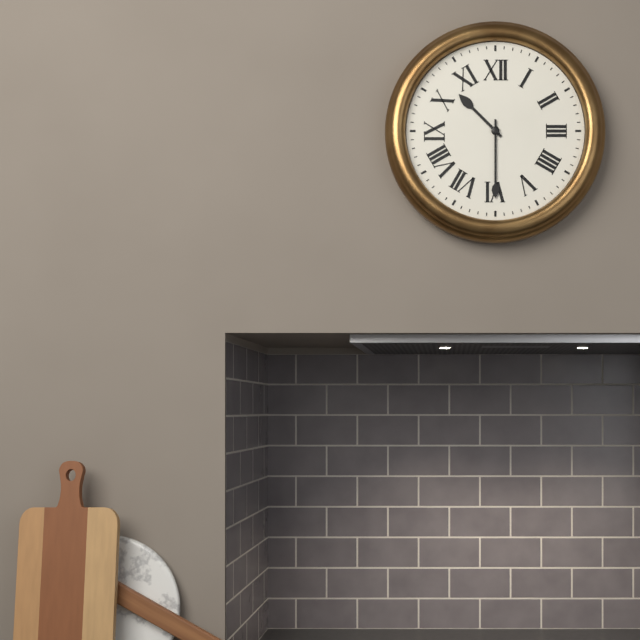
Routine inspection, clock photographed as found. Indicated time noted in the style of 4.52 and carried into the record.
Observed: 10.30
